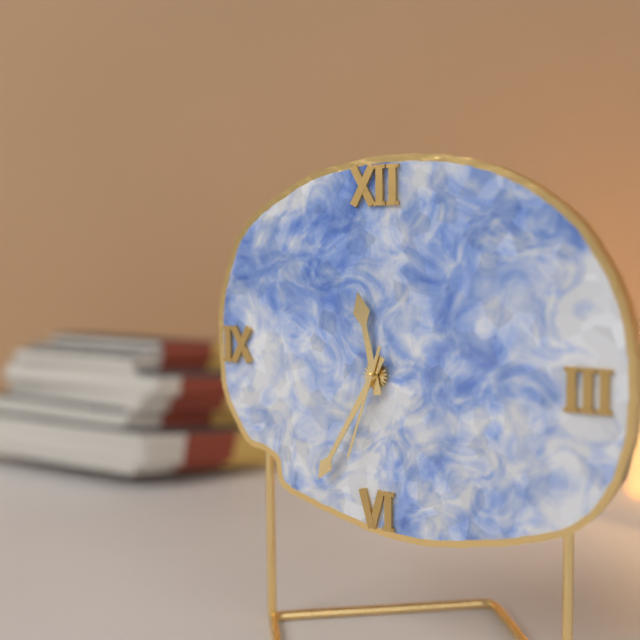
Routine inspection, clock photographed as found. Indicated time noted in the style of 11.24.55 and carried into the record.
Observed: 11.35.33
